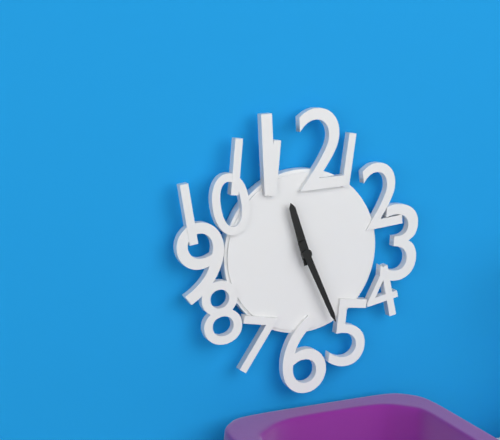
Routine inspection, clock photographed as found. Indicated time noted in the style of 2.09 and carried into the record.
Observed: 11.26
